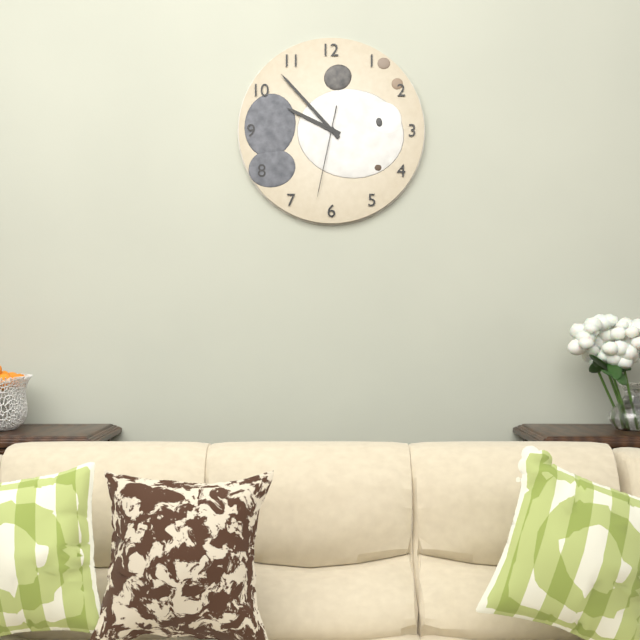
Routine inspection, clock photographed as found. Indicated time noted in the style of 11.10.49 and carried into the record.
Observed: 9.53.32
